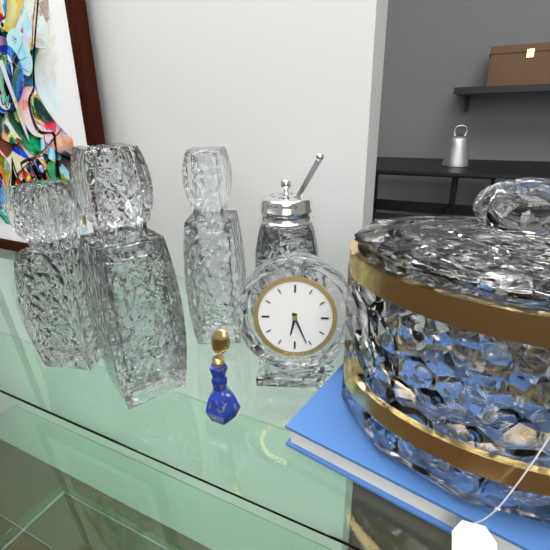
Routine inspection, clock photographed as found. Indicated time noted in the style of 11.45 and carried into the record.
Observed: 6.26
